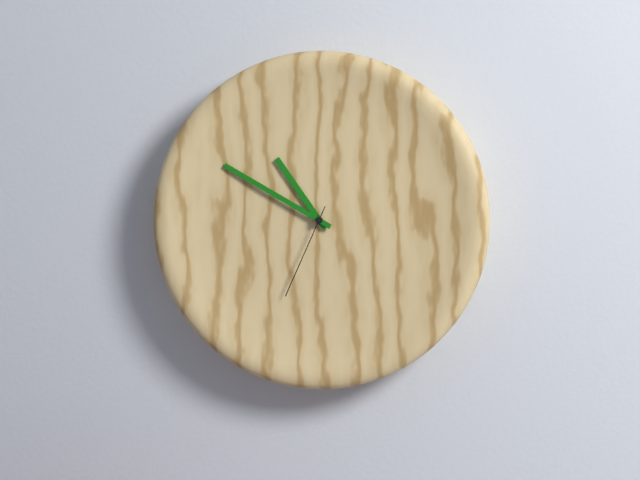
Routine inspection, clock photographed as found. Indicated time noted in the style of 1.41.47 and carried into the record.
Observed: 10.50.34
